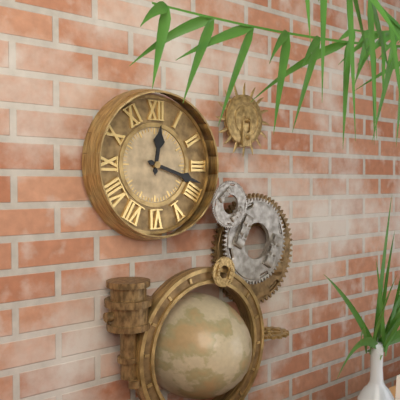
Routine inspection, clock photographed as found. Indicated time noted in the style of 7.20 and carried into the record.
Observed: 12.18
